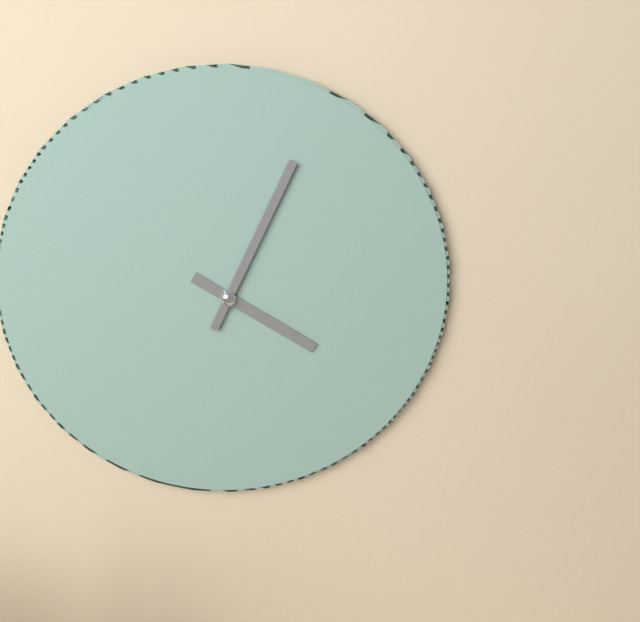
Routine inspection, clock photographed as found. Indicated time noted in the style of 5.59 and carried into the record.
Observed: 4.04
